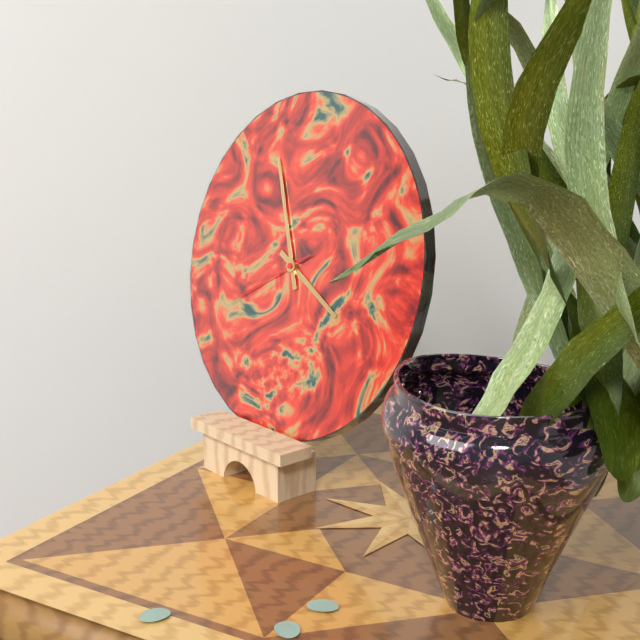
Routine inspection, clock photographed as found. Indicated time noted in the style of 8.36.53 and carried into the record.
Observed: 3.56.40
